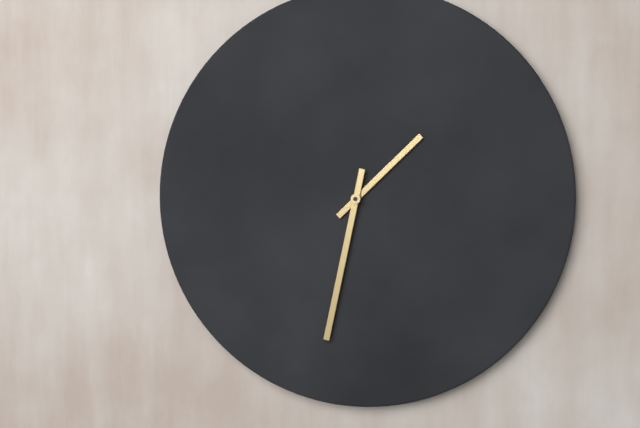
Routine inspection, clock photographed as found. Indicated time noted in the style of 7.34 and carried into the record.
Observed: 1.32
